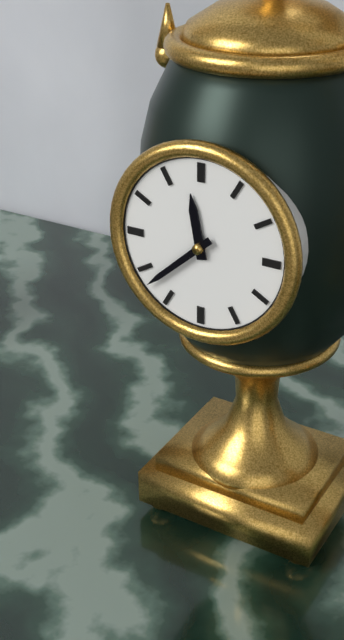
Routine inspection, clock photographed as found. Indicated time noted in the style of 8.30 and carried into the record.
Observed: 11.38
